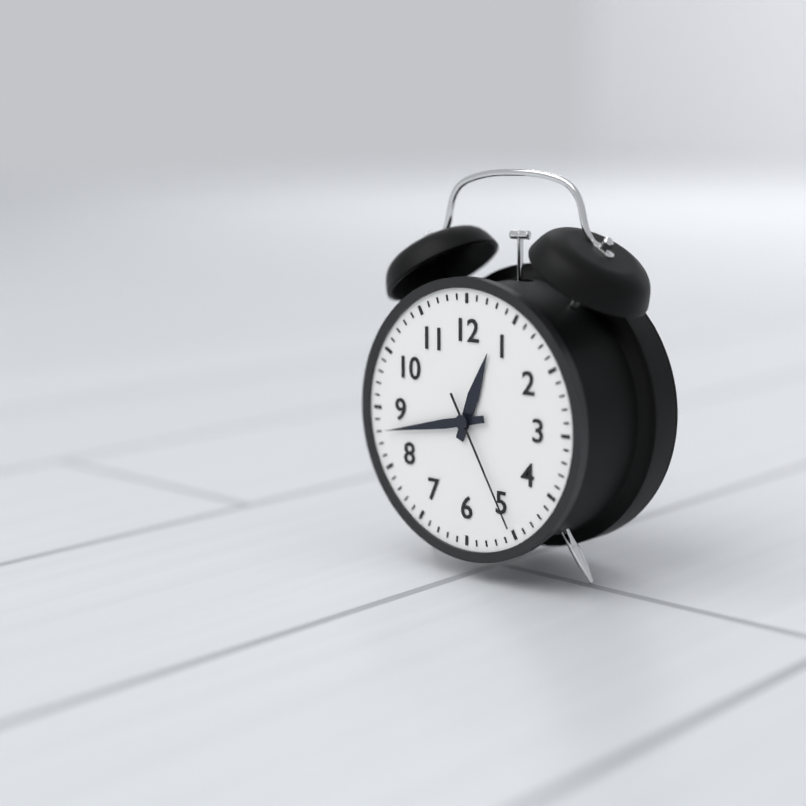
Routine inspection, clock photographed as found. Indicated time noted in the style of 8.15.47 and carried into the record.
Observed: 12.43.25
